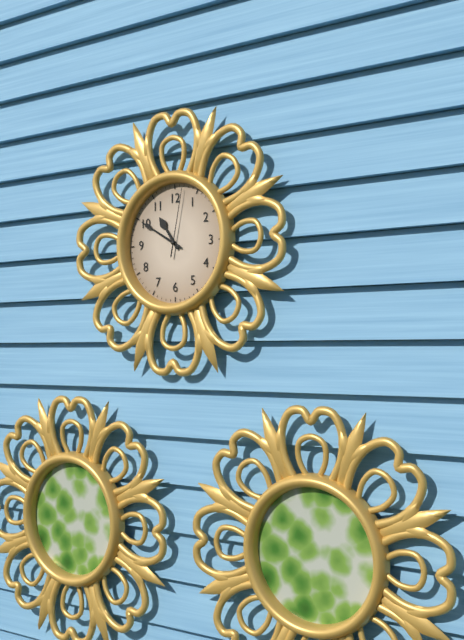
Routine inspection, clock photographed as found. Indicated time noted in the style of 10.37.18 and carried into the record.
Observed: 10.50.02
